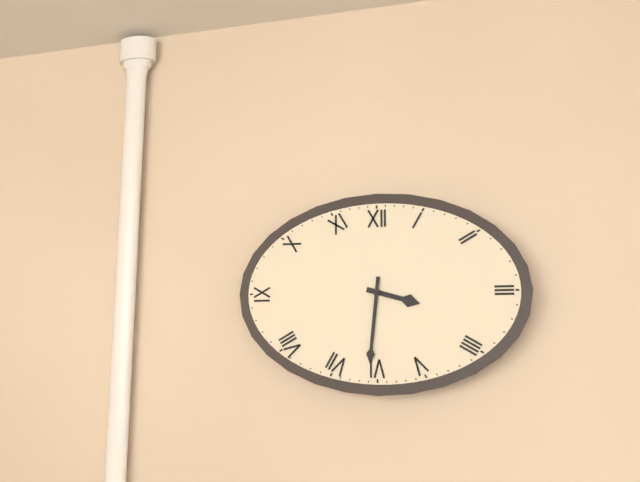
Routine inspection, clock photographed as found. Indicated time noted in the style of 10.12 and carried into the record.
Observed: 3.31
